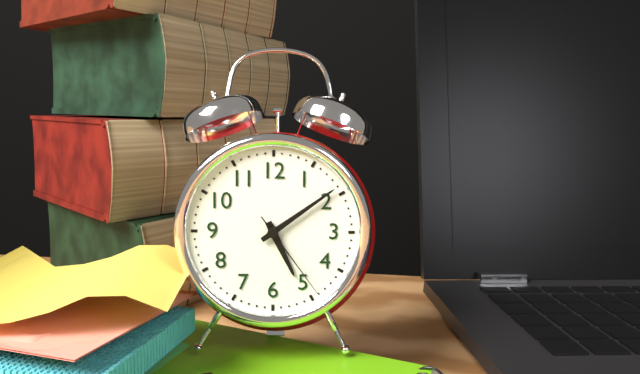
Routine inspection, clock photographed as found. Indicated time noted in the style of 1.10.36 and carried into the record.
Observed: 5.09.24
